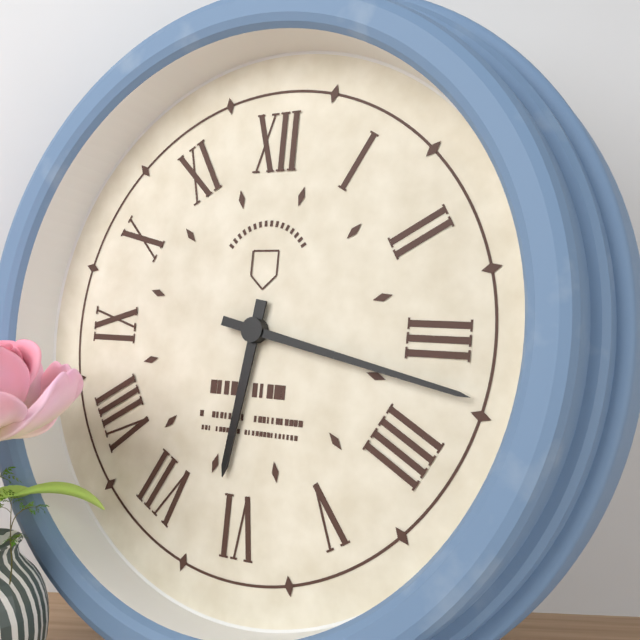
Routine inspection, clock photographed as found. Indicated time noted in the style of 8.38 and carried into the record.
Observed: 6.17
